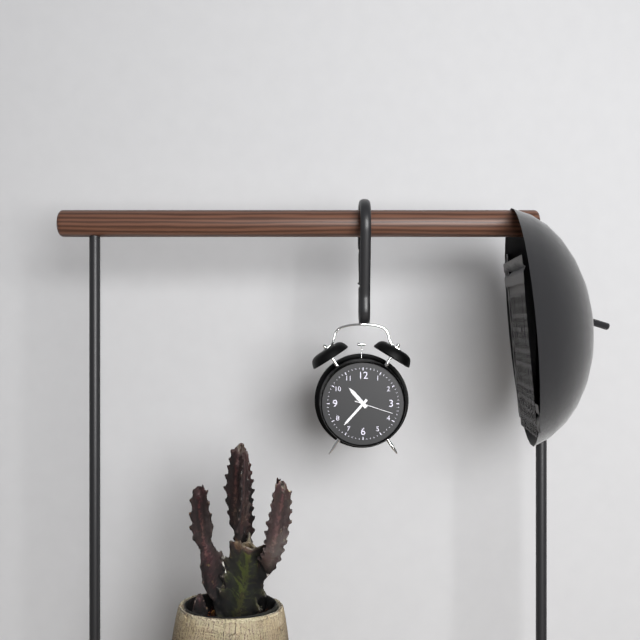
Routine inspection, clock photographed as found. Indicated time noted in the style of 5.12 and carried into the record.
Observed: 10.37
